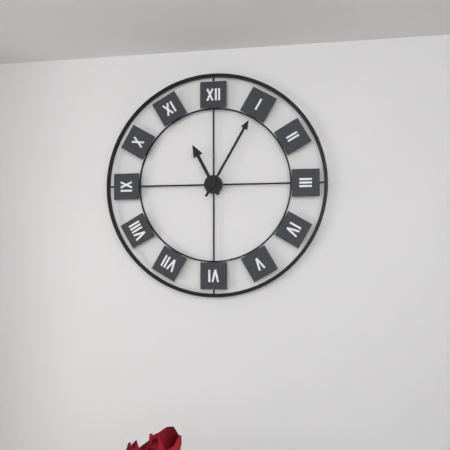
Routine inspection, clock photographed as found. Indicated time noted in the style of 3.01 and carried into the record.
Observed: 11.05
